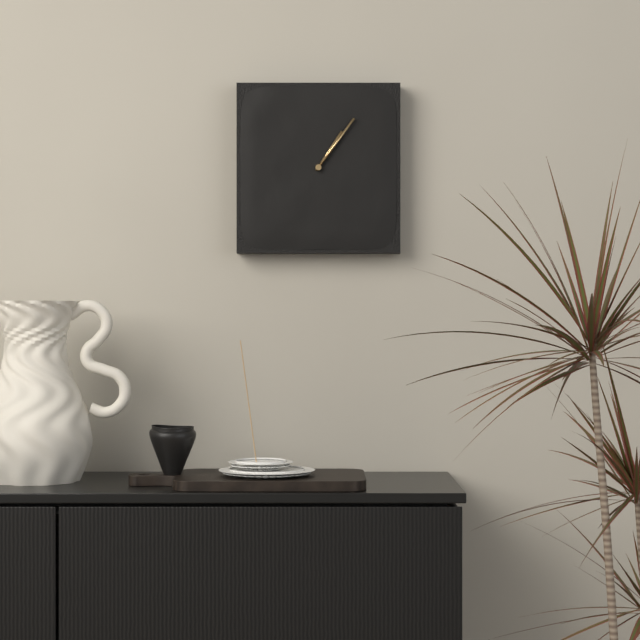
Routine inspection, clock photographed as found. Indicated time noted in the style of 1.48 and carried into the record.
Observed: 1.06
